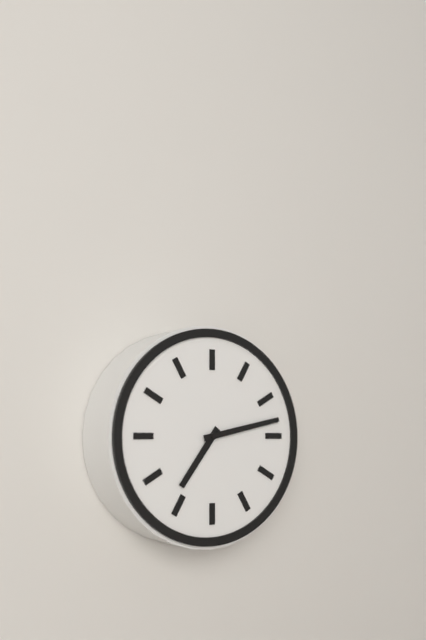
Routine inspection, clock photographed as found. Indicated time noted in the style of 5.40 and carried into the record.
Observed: 7.13
